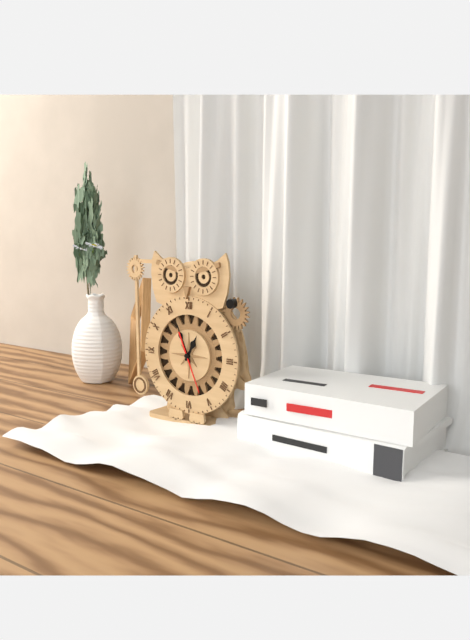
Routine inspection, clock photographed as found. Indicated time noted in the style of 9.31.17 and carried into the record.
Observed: 12.56.26
